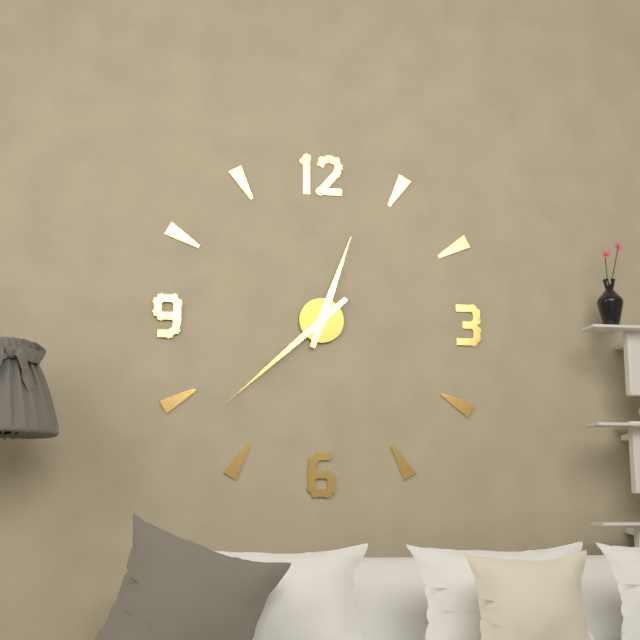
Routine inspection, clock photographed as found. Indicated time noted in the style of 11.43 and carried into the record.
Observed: 12.38
